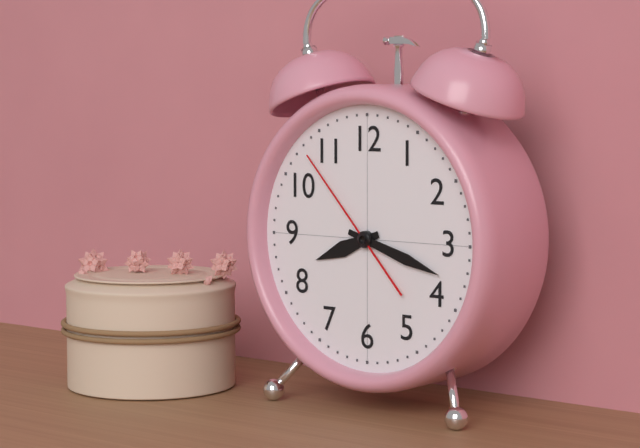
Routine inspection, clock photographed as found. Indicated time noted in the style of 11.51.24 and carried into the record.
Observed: 8.18.53
